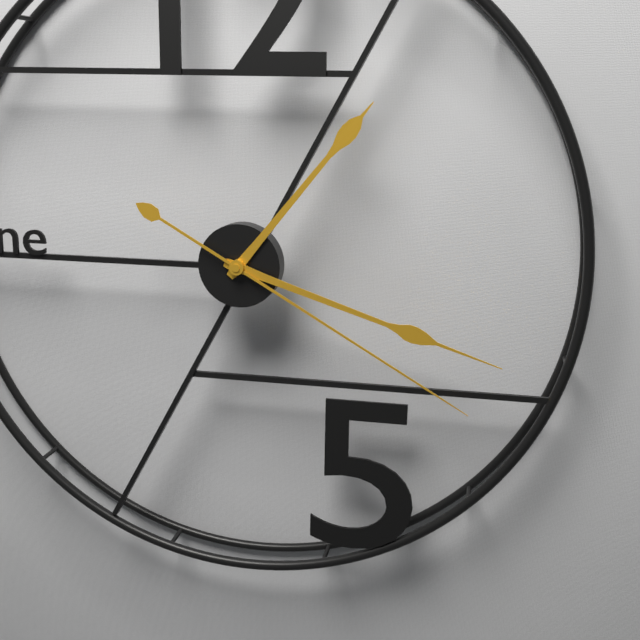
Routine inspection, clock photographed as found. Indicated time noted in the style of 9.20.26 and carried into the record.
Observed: 1.18.20
